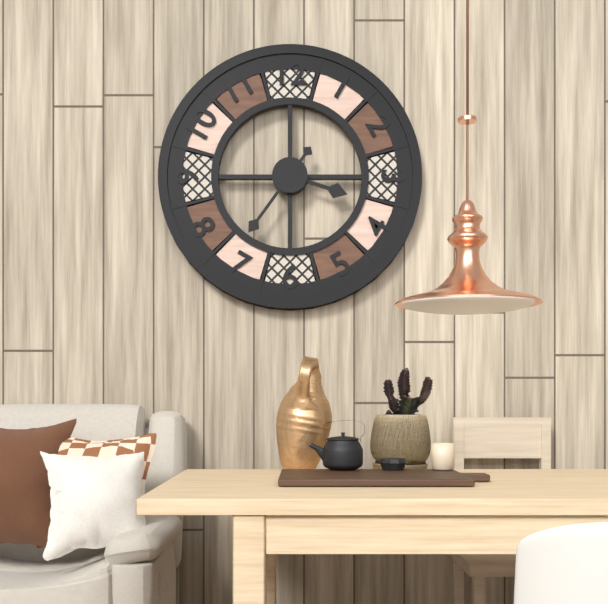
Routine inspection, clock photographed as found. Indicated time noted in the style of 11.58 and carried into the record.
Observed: 3.36
